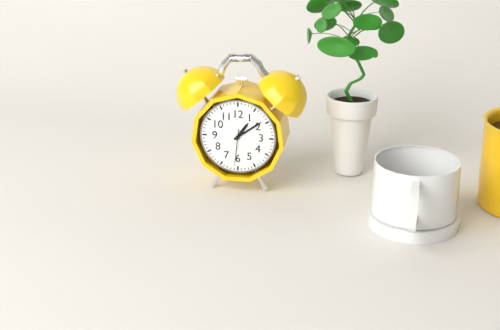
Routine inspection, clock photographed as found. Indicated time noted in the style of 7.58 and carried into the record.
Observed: 1.09
